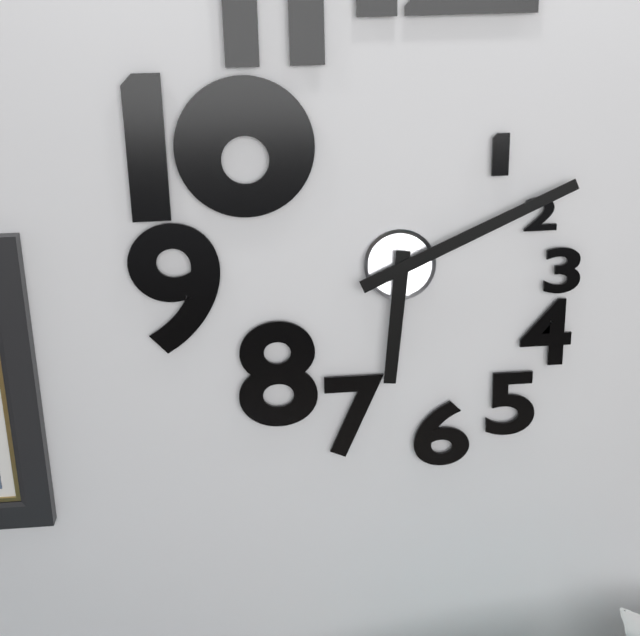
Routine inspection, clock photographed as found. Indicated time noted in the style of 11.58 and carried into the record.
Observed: 6.11
